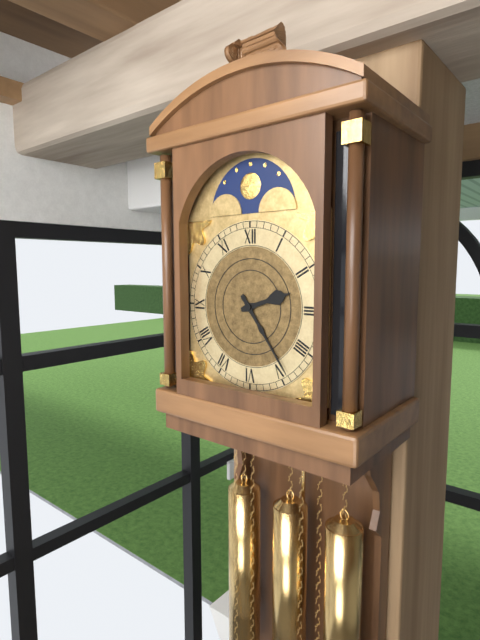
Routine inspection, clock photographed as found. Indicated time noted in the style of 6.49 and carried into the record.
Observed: 2.24
